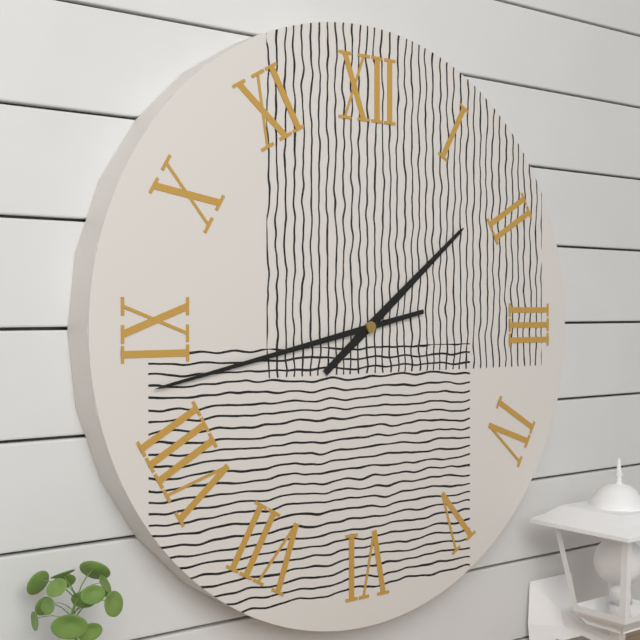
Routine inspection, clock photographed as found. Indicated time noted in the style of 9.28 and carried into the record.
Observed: 1.43
